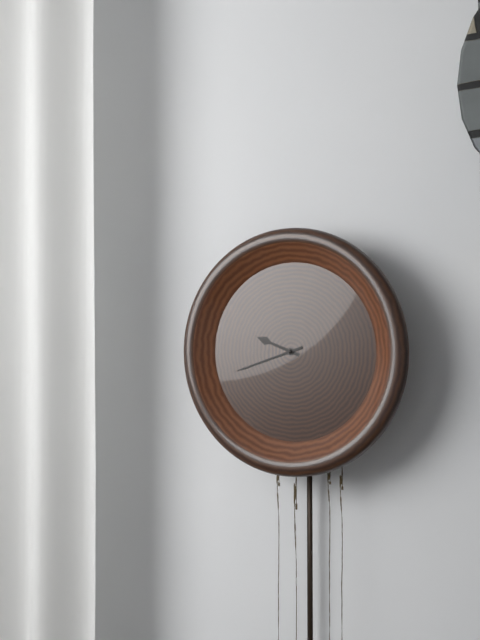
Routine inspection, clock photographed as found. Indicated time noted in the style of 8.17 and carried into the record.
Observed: 9.42
